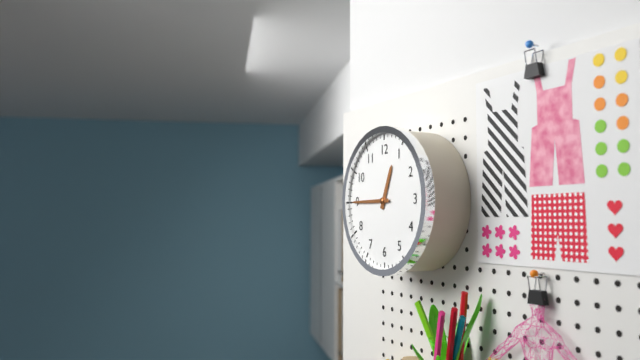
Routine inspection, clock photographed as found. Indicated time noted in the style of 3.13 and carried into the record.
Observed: 12.45
